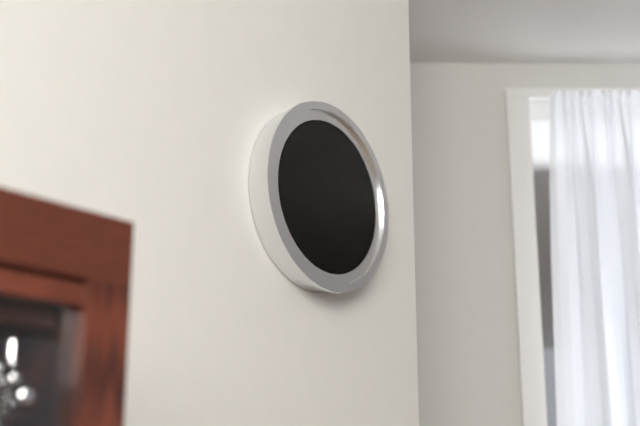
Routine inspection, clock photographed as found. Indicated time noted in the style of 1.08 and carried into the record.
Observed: 9.23
